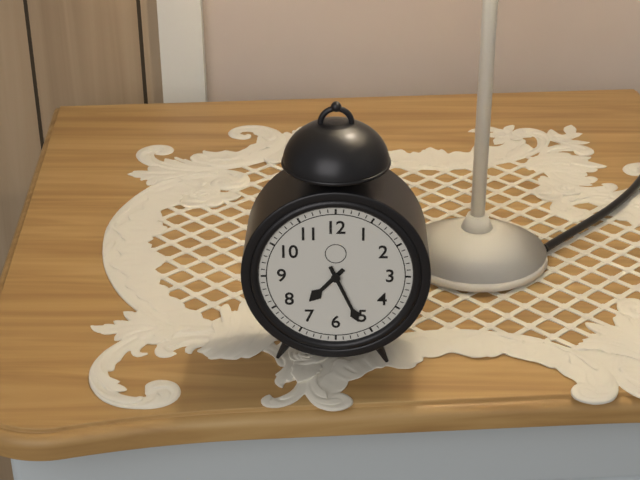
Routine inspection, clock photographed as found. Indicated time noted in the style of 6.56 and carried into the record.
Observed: 7.26
